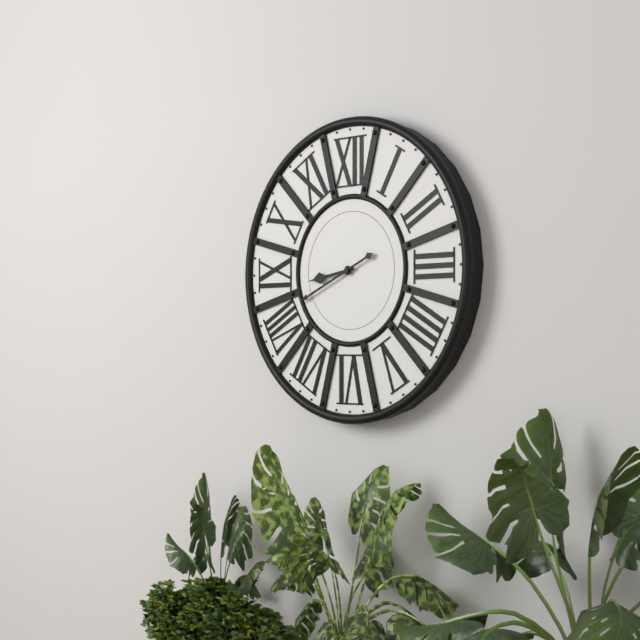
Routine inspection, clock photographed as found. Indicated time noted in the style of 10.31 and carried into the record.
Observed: 8.41
